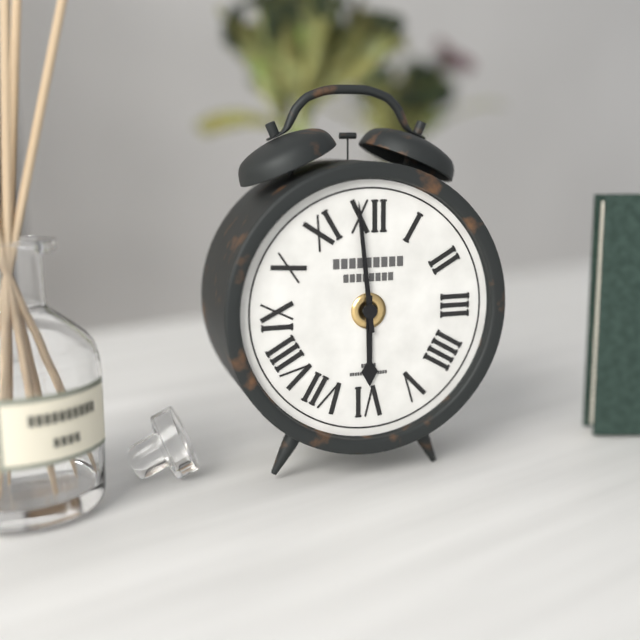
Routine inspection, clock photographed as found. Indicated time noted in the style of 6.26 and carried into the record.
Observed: 5.59
